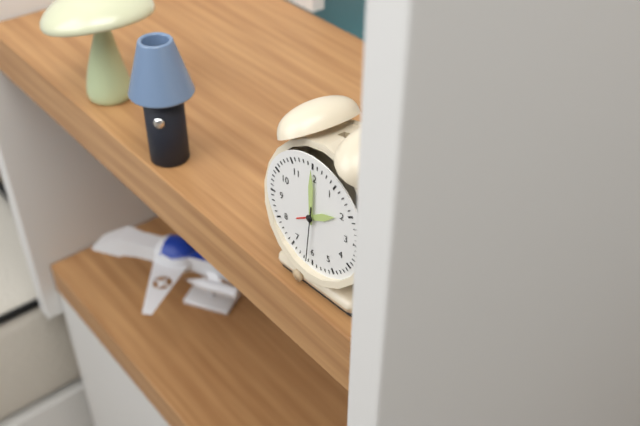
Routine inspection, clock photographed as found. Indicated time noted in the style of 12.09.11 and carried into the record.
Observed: 2.00.31
